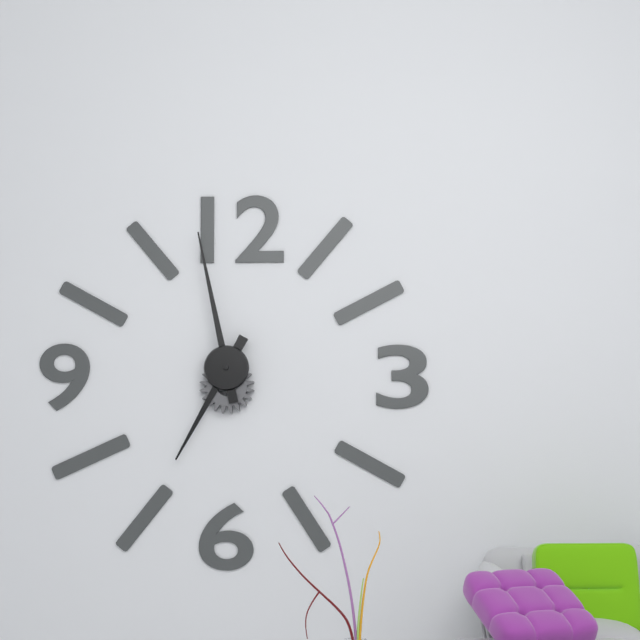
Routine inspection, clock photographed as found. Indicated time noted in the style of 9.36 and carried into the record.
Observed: 6.58
